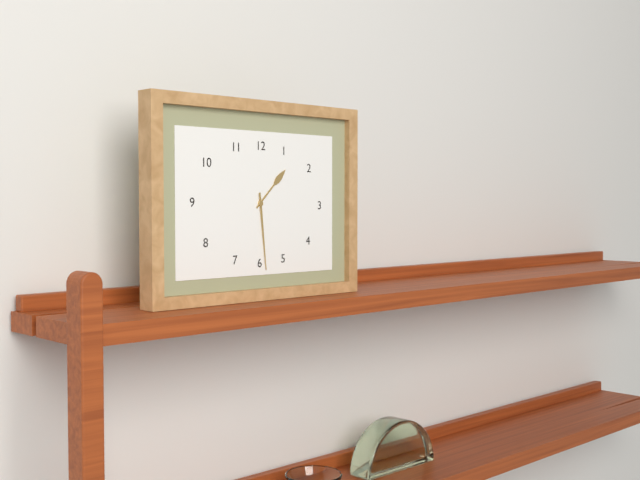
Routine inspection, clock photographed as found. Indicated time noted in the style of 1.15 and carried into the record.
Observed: 1.29
